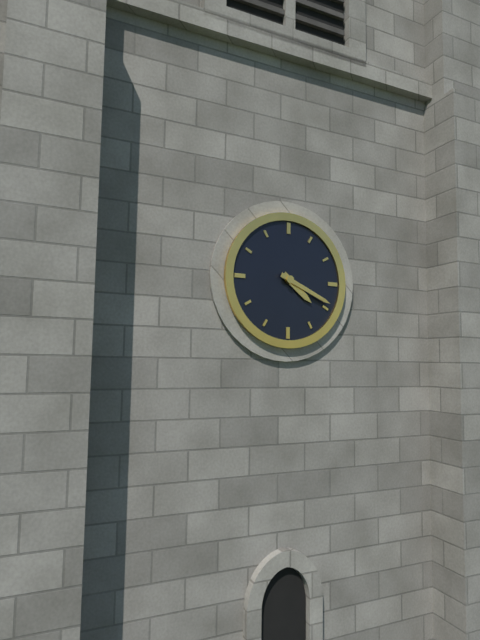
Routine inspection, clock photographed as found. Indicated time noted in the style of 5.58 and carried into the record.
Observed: 4.19
